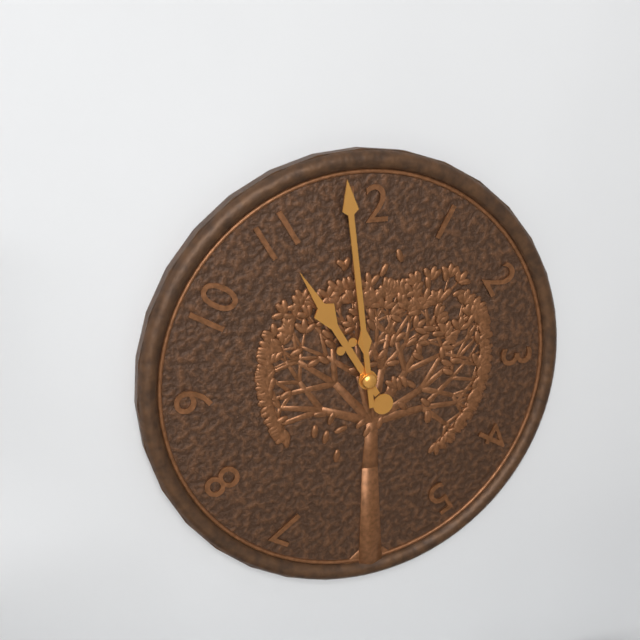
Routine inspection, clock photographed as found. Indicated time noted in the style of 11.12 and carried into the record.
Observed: 10.59
